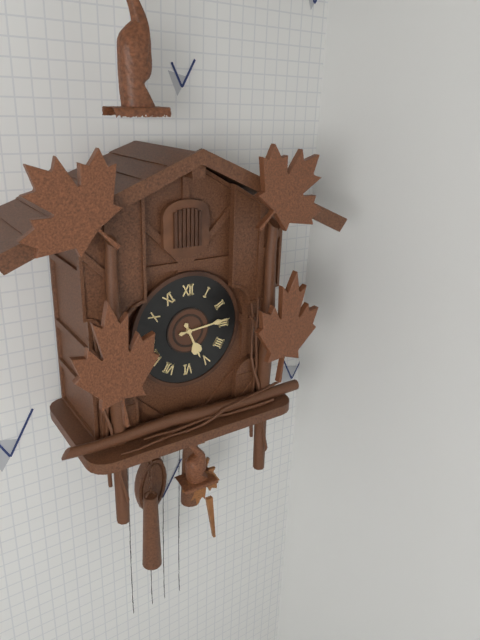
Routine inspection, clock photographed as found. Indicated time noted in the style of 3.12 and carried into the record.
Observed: 5.14
